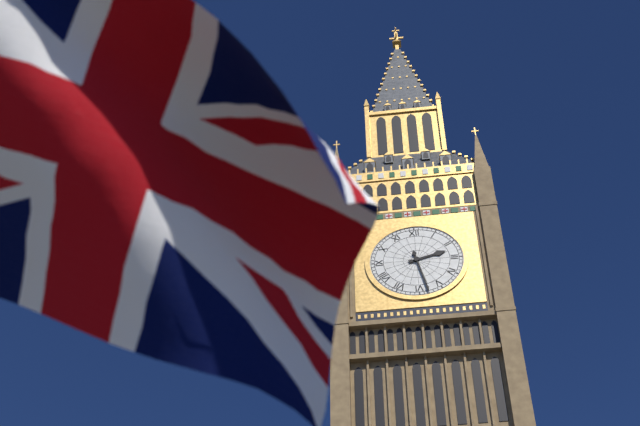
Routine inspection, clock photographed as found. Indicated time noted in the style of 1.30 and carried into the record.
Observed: 2.28
